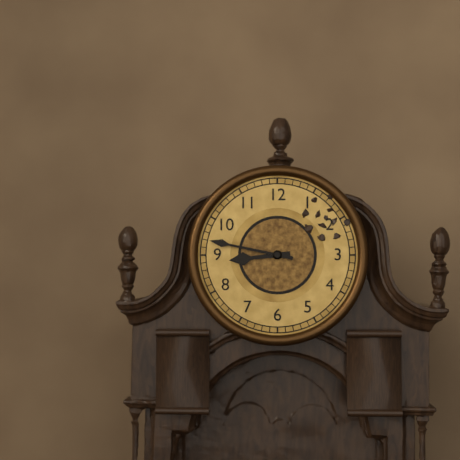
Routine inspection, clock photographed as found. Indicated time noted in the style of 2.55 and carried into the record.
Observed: 8.47
